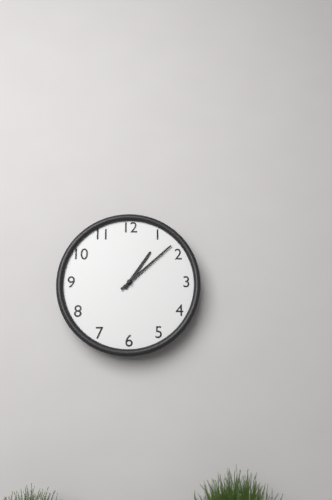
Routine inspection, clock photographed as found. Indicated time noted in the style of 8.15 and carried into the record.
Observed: 1.08
